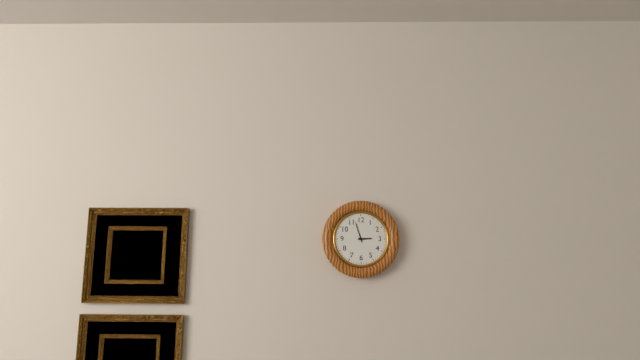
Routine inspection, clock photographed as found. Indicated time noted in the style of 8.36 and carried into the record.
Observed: 2.57
